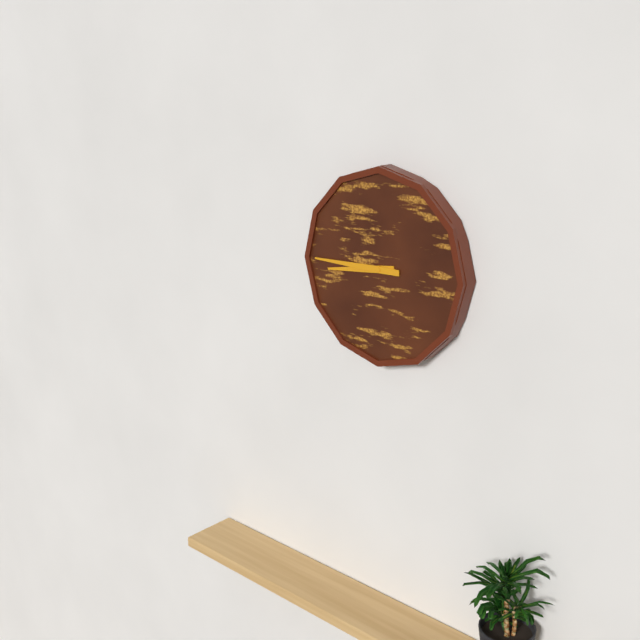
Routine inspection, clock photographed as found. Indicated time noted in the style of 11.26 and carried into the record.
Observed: 8.45
